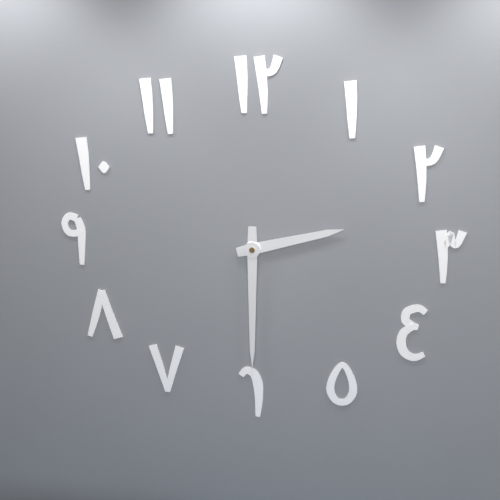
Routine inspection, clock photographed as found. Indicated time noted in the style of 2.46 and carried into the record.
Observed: 2.30
